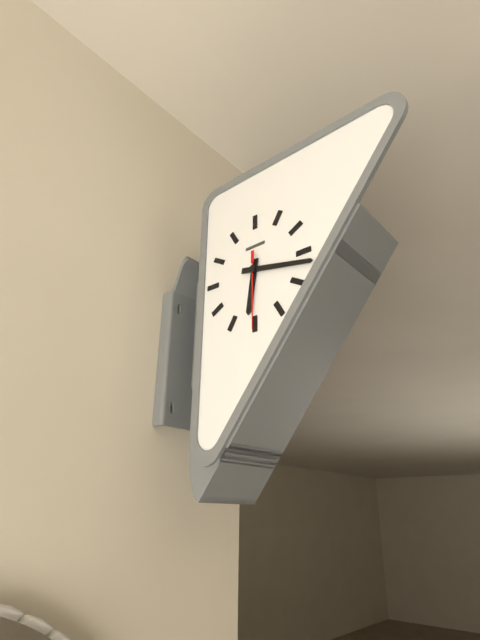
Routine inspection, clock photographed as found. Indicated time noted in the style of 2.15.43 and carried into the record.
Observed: 6.17.30
